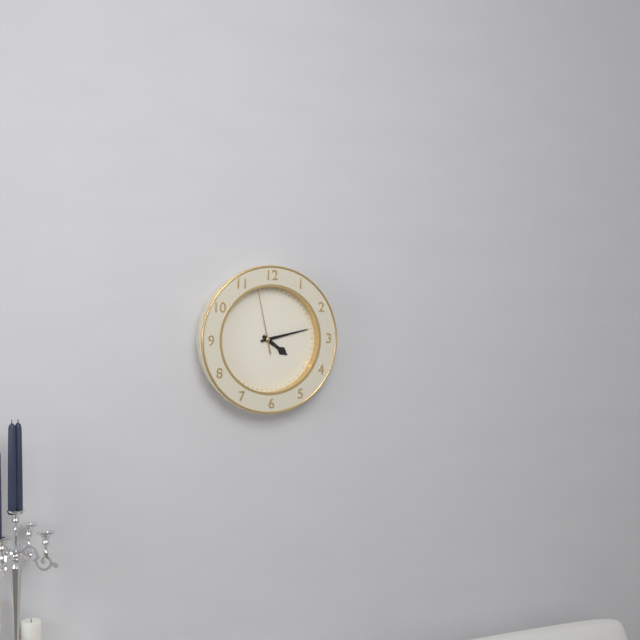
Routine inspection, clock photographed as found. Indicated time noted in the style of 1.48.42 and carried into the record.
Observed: 4.13.58
